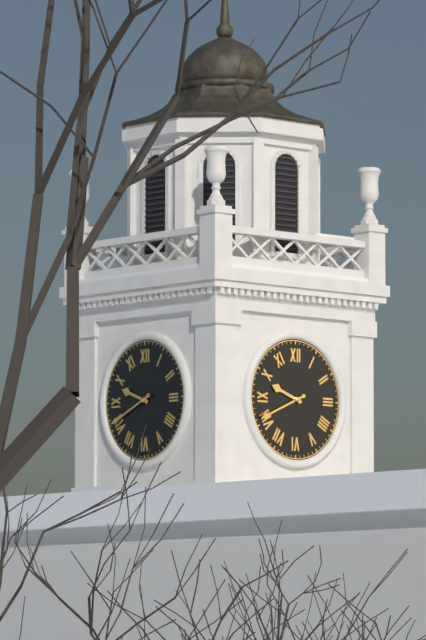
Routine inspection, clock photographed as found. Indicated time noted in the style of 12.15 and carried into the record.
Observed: 9.41
